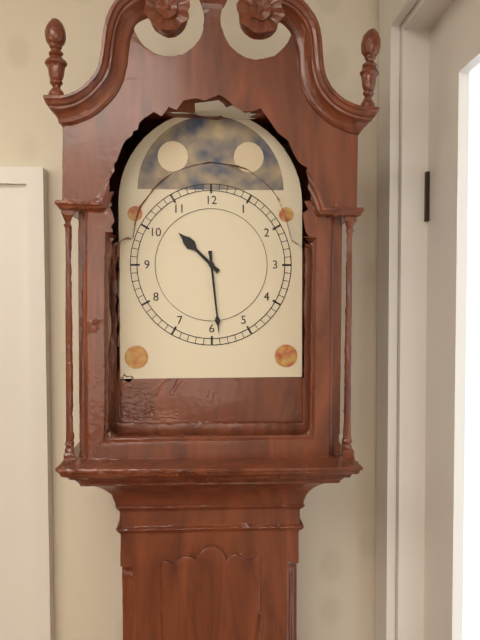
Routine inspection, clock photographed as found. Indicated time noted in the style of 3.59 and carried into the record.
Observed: 10.29
